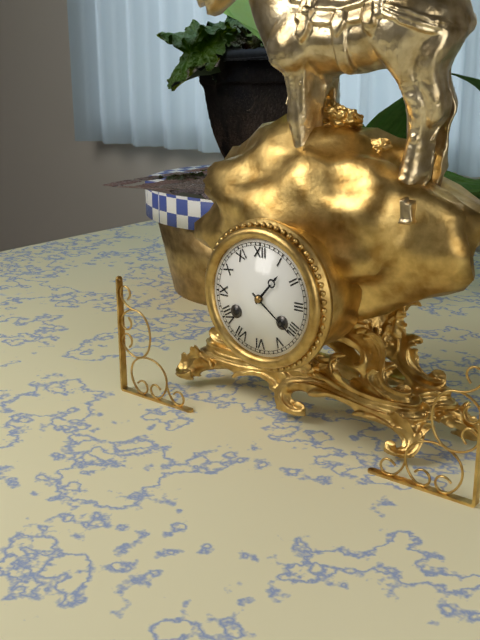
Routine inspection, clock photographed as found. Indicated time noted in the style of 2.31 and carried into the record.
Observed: 1.21
